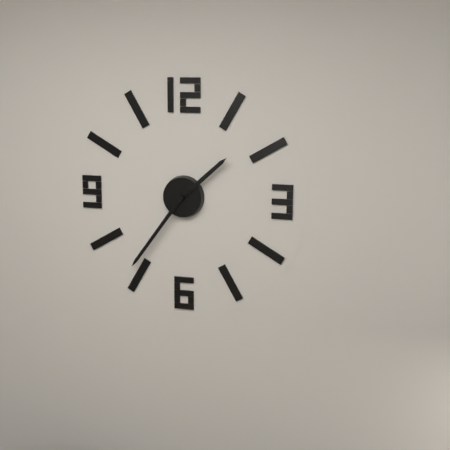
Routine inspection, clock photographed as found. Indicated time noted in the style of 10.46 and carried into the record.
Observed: 1.36
